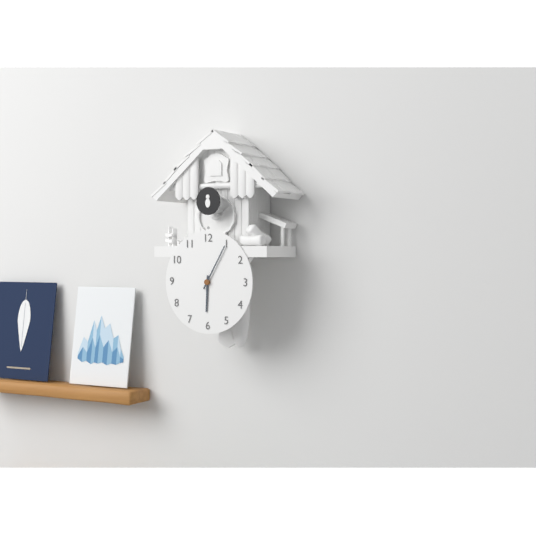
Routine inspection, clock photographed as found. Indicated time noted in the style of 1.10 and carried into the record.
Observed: 6.05
